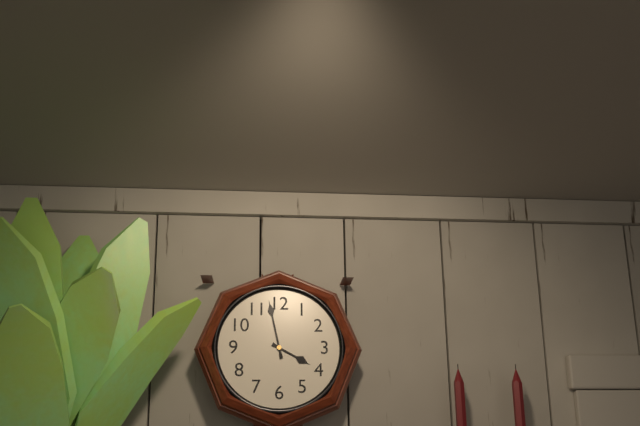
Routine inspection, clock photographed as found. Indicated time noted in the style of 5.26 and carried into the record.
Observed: 3.58
